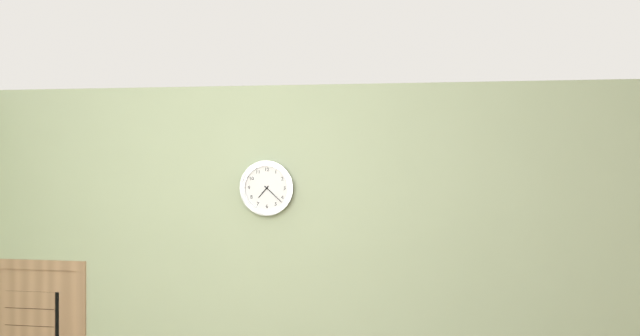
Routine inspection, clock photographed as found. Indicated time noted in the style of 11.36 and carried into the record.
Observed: 7.22
